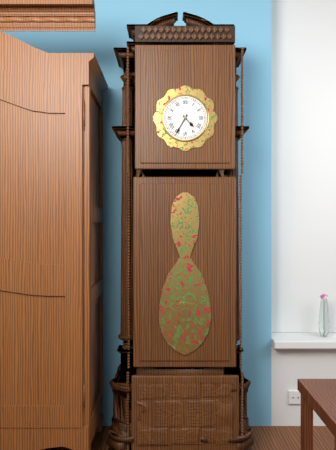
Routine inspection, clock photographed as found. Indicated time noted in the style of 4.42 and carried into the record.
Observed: 4.35
